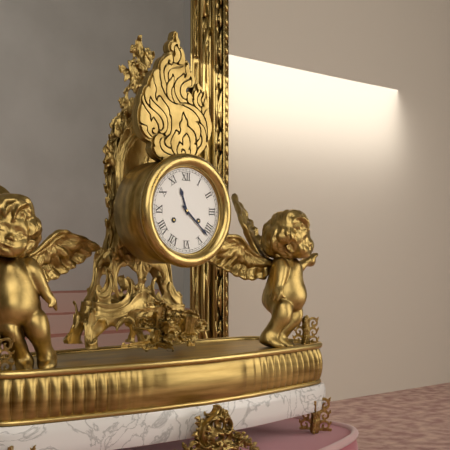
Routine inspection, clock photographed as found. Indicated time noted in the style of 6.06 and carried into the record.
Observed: 11.22
